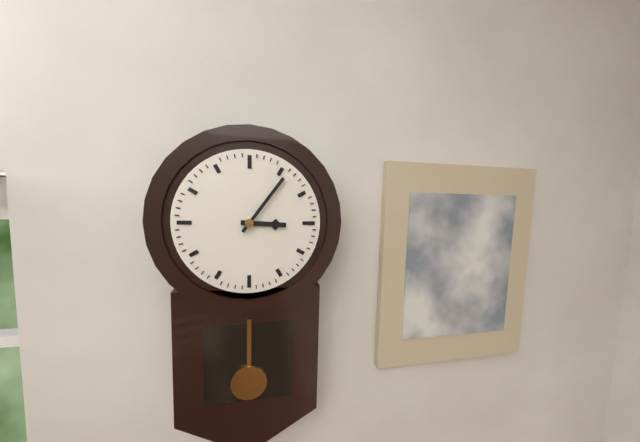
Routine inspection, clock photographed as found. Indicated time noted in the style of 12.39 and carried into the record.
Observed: 3.06
